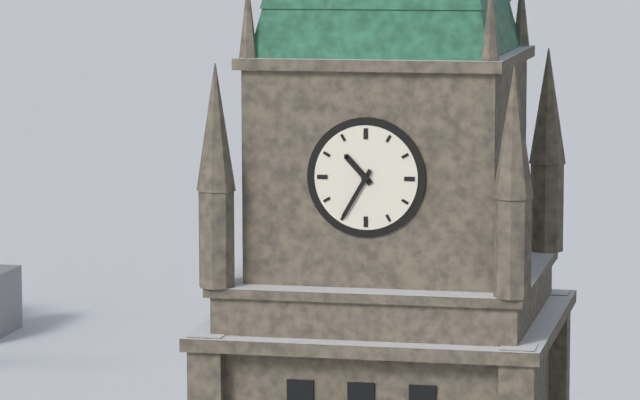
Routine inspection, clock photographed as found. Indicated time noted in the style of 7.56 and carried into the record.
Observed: 10.35
